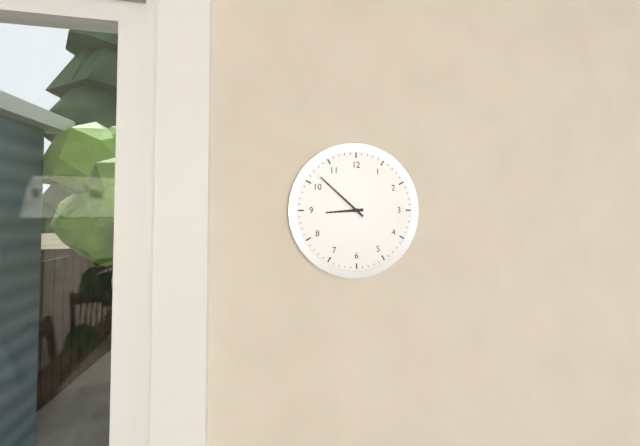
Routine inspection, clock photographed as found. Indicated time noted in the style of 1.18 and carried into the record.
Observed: 8.52
